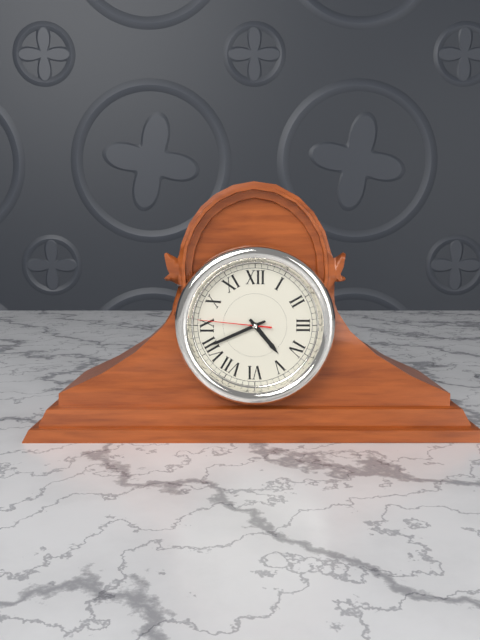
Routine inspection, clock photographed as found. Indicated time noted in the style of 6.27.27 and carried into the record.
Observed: 4.41.46
